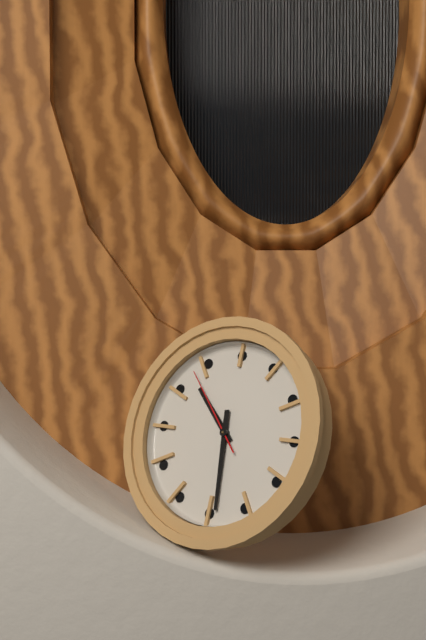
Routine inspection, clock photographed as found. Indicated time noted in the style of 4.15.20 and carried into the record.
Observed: 10.29.53
